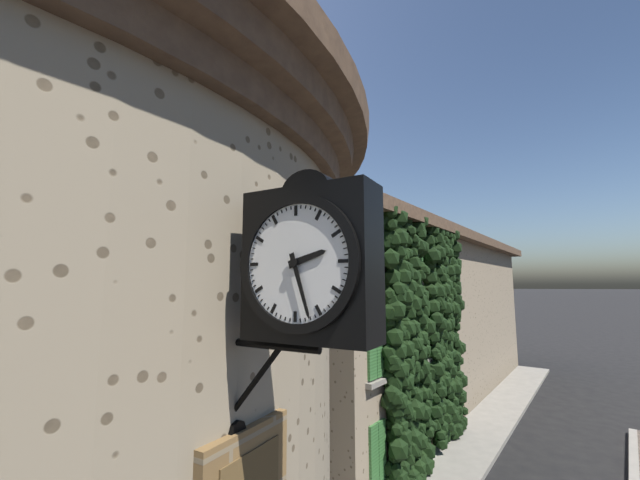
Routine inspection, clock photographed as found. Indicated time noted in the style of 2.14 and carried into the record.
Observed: 2.27
